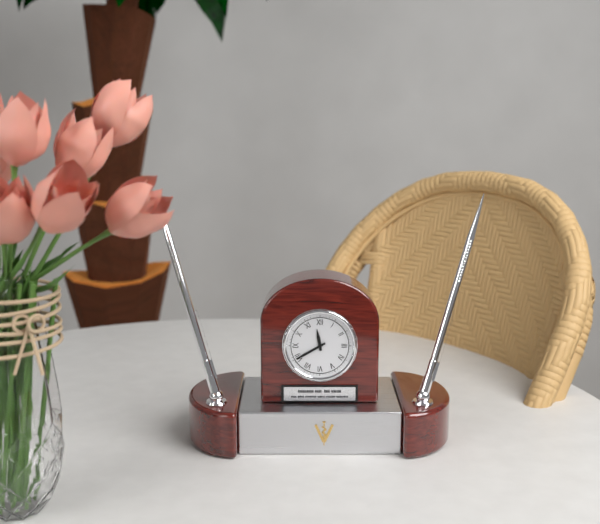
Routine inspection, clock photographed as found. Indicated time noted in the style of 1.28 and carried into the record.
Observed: 11.40
